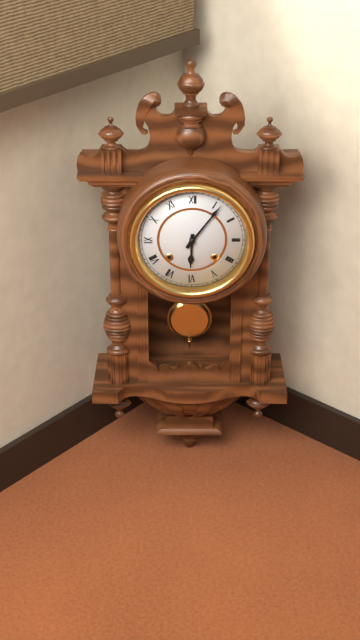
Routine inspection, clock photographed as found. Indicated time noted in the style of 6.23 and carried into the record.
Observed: 6.06
